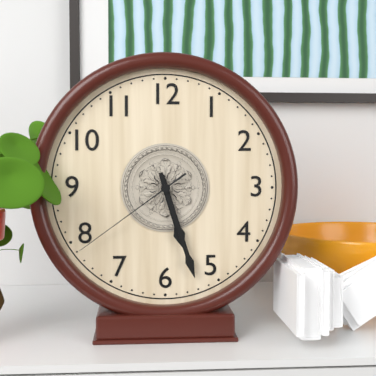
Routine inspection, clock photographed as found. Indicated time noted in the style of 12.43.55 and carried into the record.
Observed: 5.27.39
